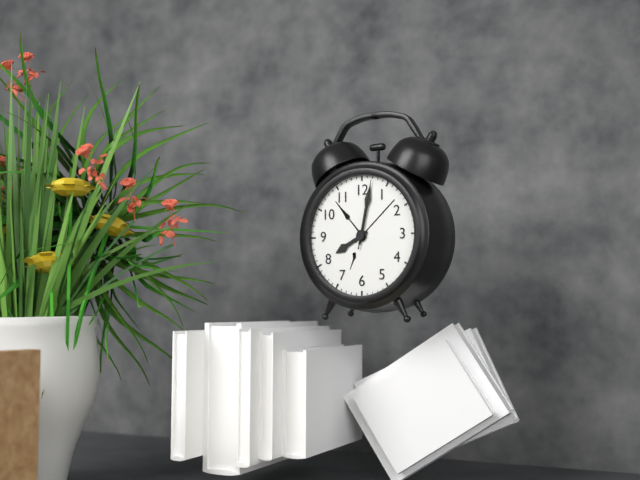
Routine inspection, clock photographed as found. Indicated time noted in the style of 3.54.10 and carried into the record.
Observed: 8.02.02
